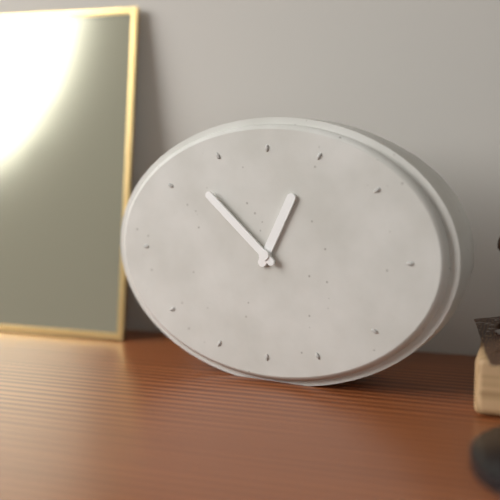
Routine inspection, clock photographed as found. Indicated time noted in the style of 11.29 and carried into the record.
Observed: 12.52
